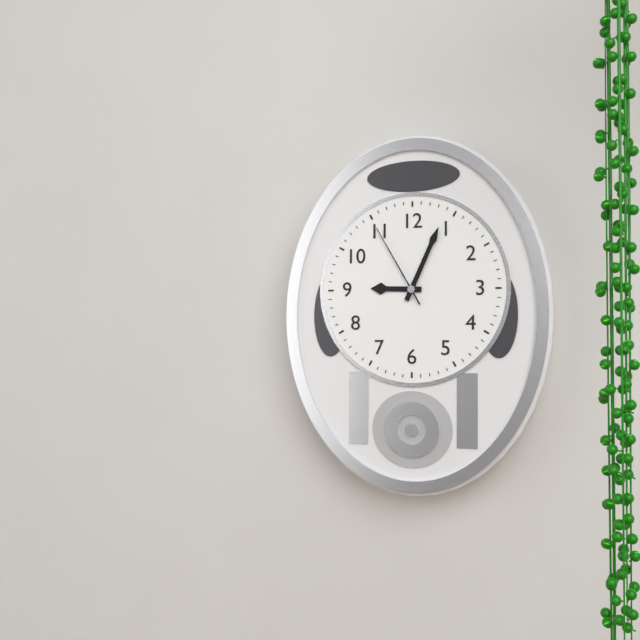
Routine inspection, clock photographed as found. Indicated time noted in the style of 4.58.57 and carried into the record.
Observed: 9.04.55
